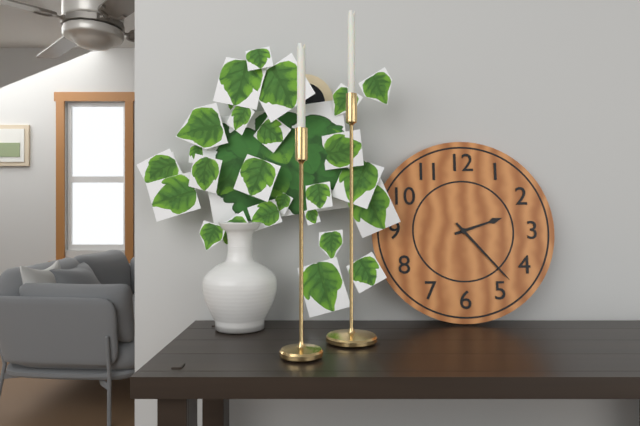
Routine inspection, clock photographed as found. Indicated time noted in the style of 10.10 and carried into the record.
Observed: 2.23
